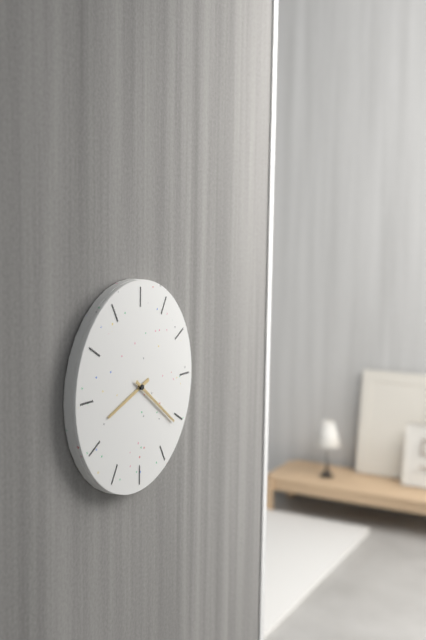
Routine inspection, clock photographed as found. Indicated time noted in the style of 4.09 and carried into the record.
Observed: 8.21
